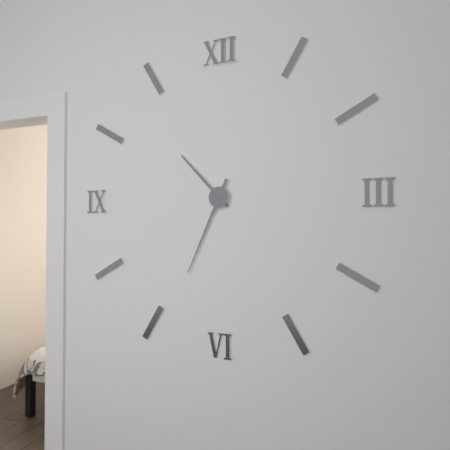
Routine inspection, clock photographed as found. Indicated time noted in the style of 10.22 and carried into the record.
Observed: 10.34
